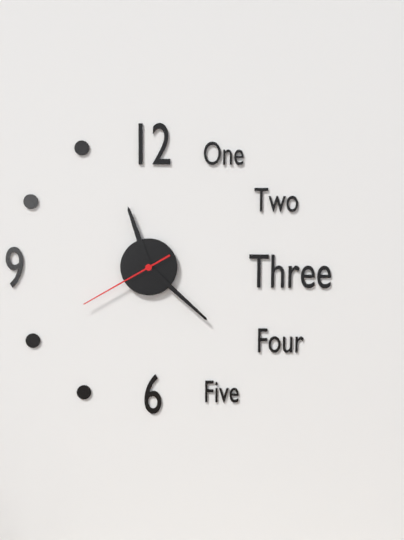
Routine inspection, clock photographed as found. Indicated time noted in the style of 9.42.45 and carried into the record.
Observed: 11.22.40
